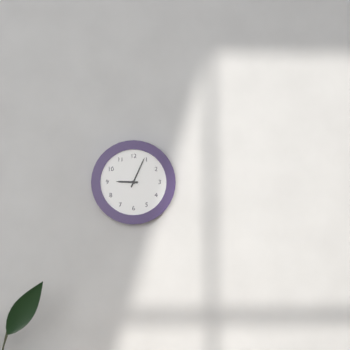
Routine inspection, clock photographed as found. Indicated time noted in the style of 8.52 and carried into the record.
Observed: 9.04
